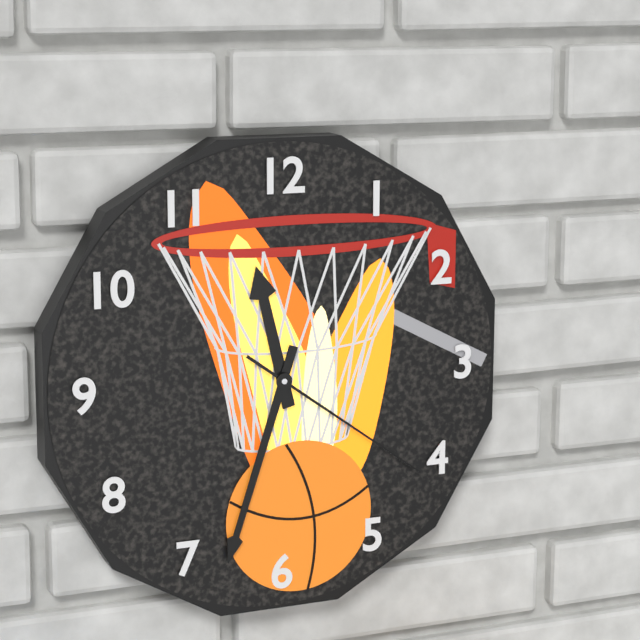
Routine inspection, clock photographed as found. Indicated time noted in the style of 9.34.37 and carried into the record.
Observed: 11.33.21
